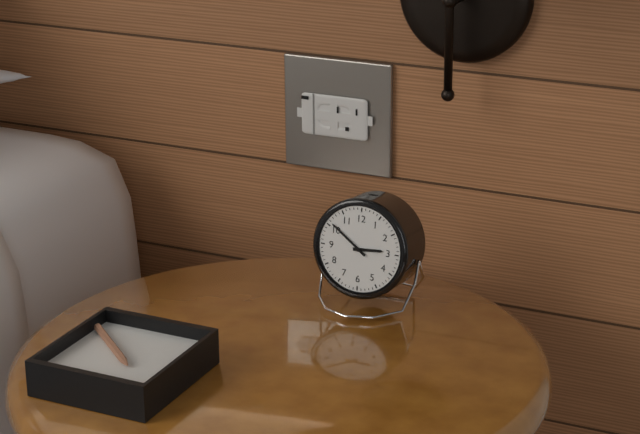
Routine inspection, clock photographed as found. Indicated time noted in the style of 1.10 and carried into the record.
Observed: 2.51
